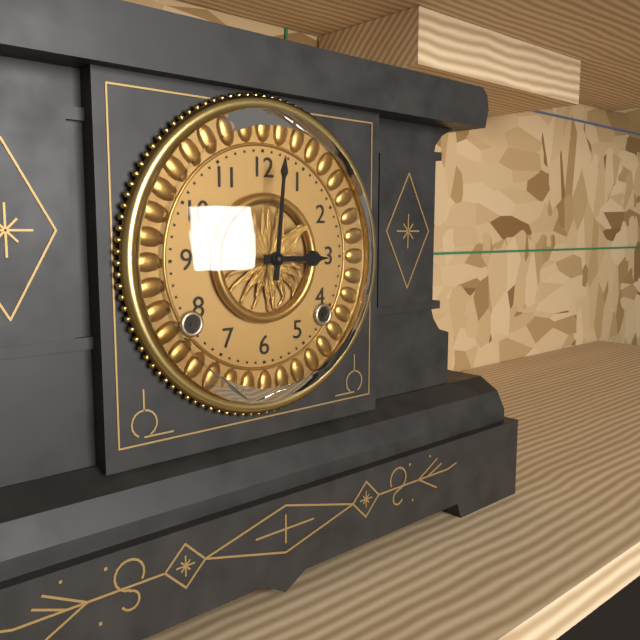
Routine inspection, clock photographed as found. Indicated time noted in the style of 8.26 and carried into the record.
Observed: 3.01
